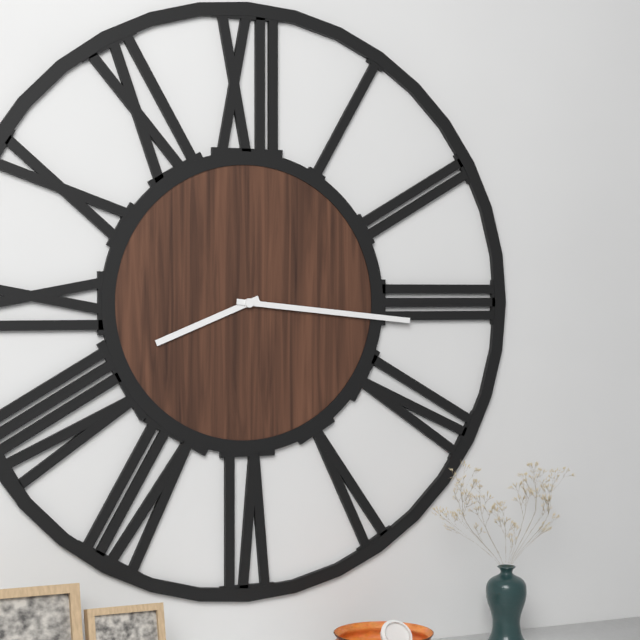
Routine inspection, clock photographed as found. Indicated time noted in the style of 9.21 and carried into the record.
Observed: 8.16
